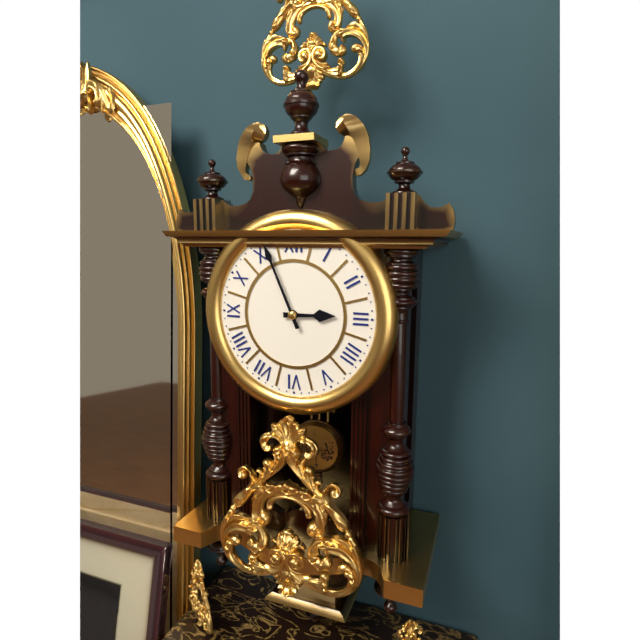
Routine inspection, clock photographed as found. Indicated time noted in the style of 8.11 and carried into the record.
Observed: 2.56
